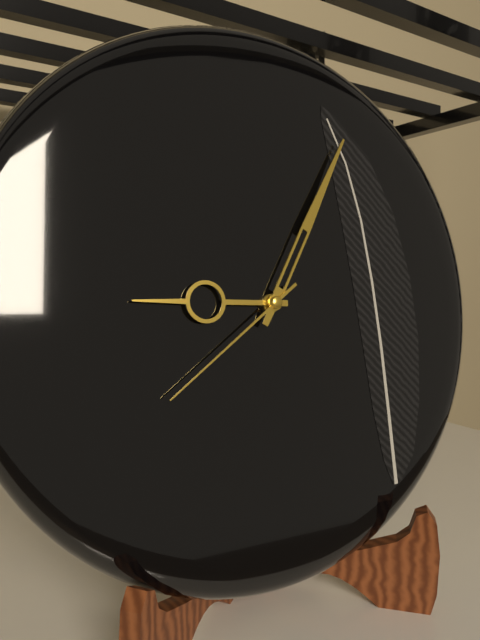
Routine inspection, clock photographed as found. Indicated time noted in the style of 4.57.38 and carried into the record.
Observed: 9.05.39
